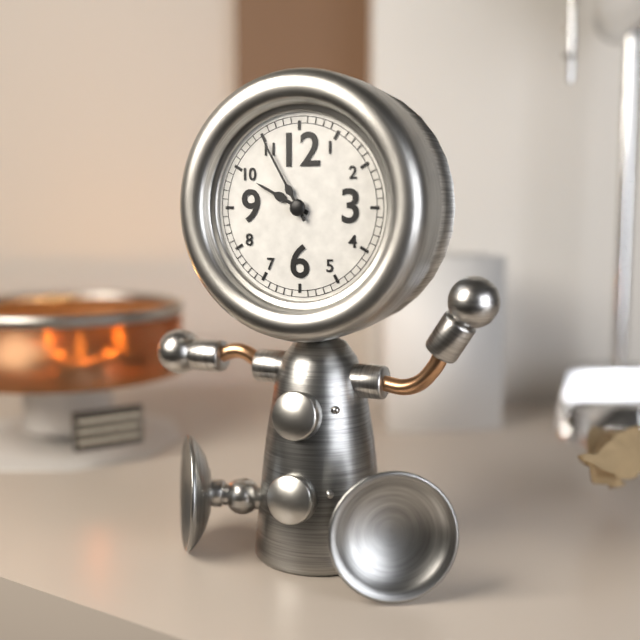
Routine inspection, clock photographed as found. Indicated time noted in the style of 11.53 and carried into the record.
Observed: 9.55
